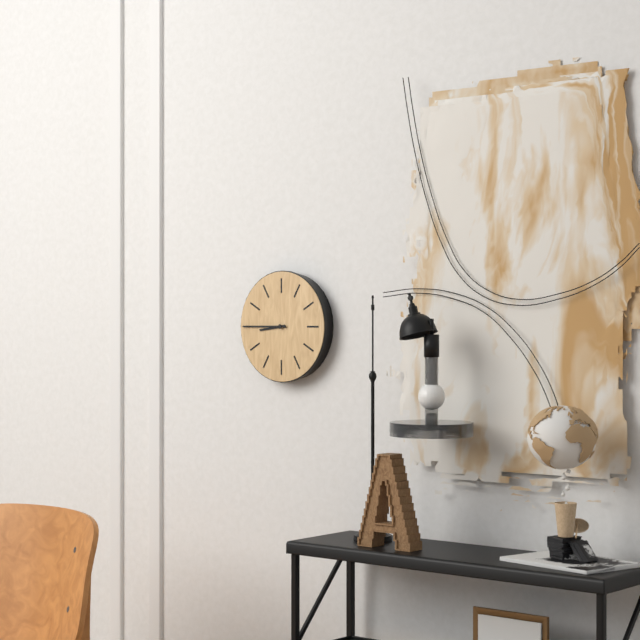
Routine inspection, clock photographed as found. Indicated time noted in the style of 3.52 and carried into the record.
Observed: 8.45
